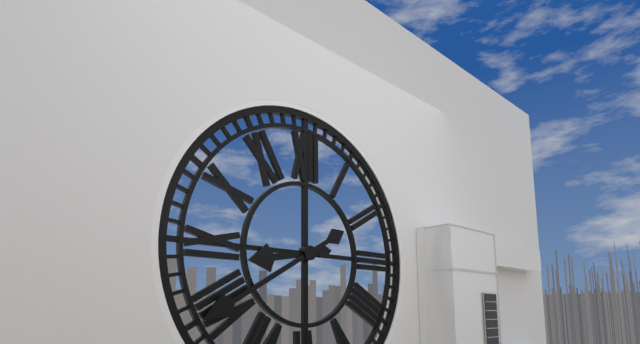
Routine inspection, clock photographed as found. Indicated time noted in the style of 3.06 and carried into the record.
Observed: 8.40
